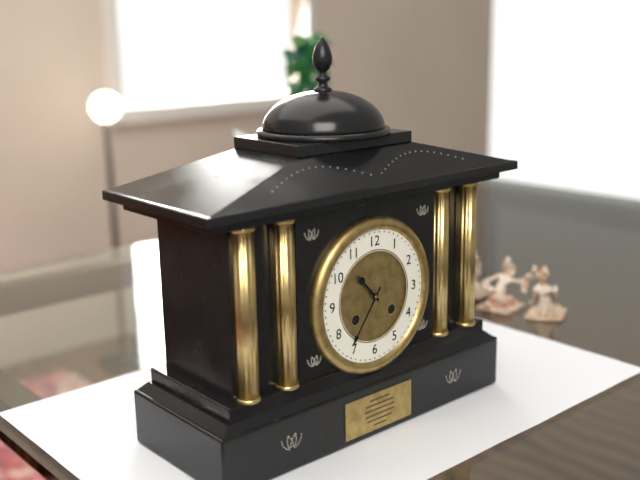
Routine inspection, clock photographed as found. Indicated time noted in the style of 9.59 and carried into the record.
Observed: 10.36
